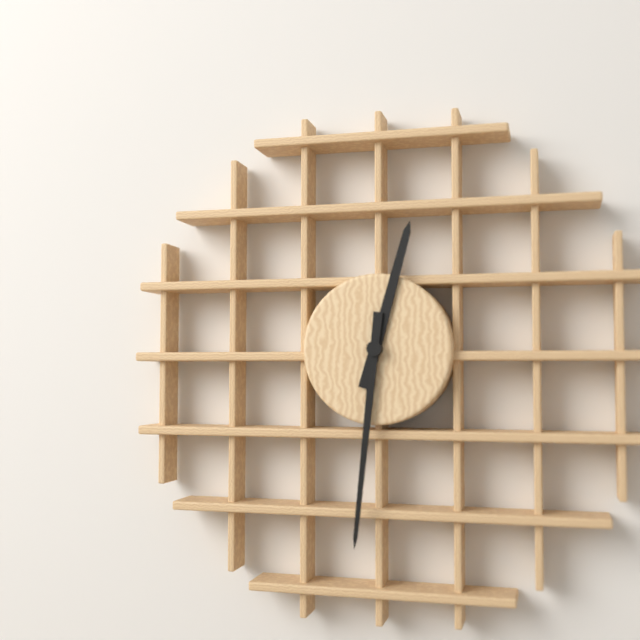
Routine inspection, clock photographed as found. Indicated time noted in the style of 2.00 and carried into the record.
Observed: 12.31
